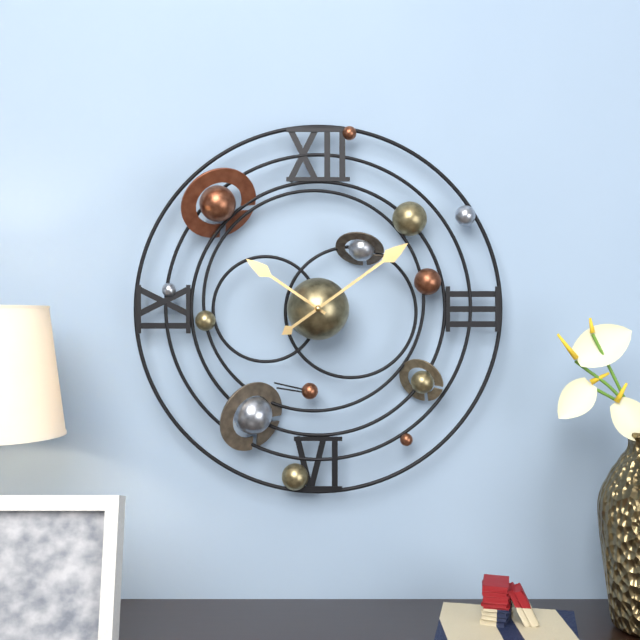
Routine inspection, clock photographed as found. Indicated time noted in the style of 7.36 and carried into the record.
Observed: 10.09
